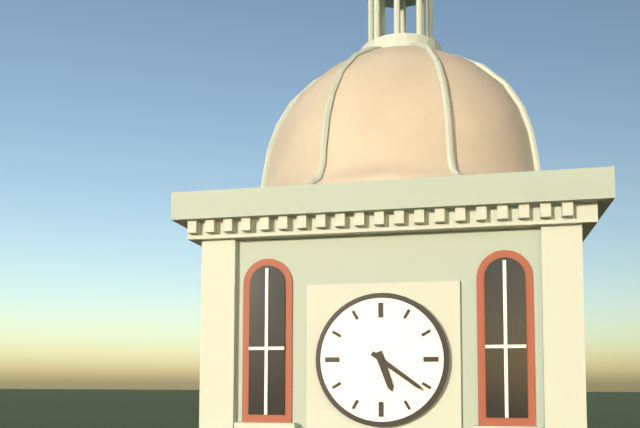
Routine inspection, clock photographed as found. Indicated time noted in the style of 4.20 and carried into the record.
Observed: 5.21
